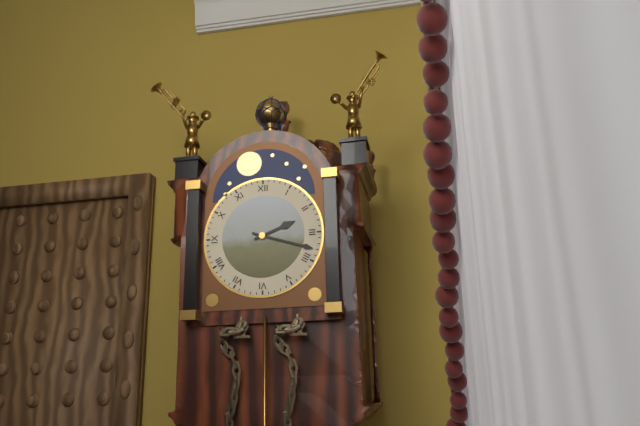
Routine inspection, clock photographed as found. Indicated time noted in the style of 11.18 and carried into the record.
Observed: 2.18
